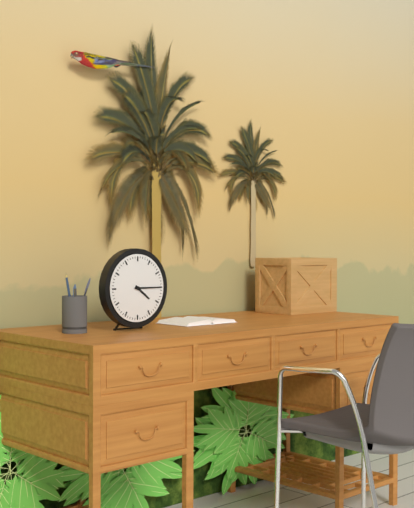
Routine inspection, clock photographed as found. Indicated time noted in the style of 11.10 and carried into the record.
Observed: 4.15
